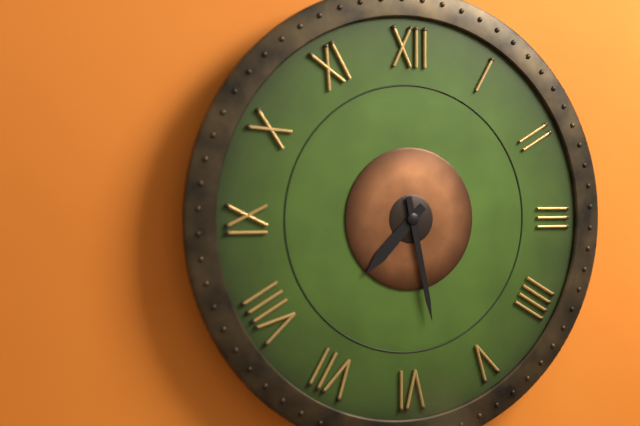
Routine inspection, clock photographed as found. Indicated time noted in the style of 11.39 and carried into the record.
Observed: 7.28
